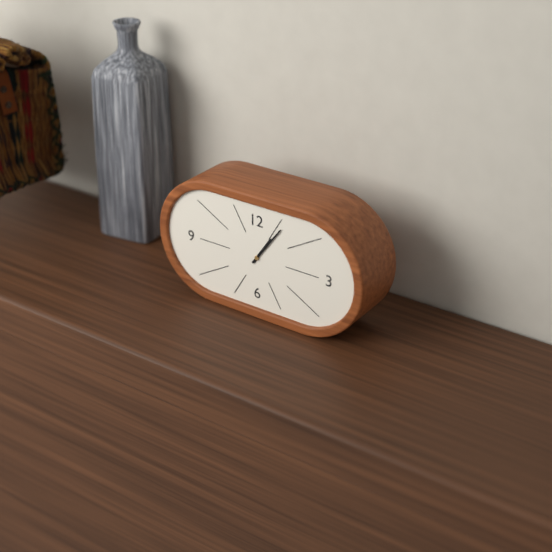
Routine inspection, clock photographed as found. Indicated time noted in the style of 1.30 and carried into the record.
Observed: 1.06
